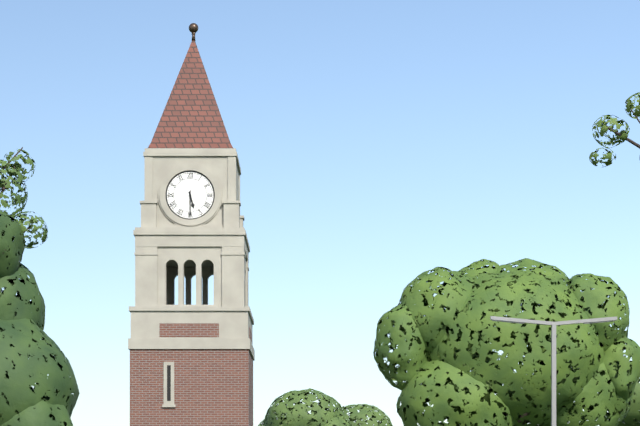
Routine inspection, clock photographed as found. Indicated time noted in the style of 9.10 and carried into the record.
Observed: 5.30
